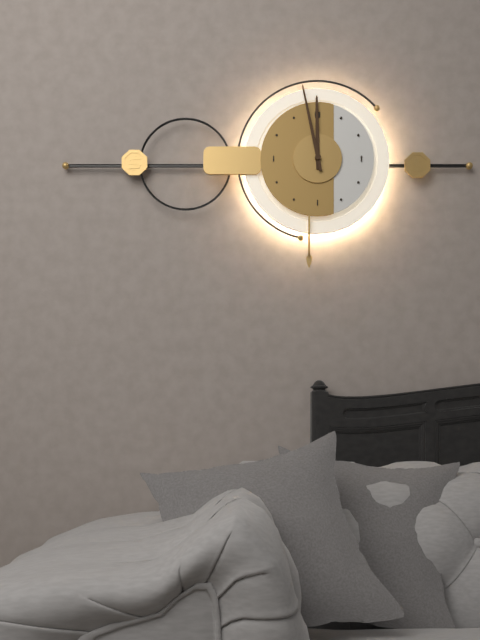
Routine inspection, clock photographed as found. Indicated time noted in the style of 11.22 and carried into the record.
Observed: 11.58
